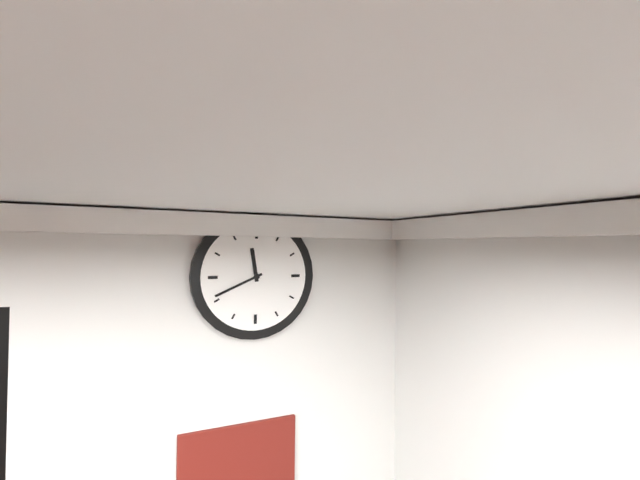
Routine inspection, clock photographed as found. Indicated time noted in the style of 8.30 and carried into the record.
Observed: 11.41
